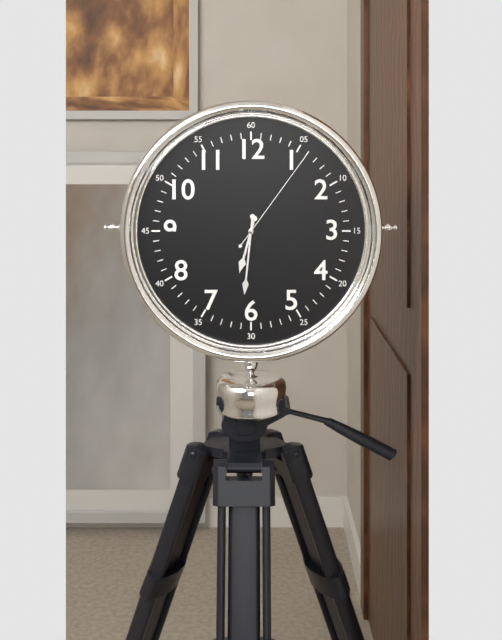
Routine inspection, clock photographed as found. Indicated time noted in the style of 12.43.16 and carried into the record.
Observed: 6.31.06
